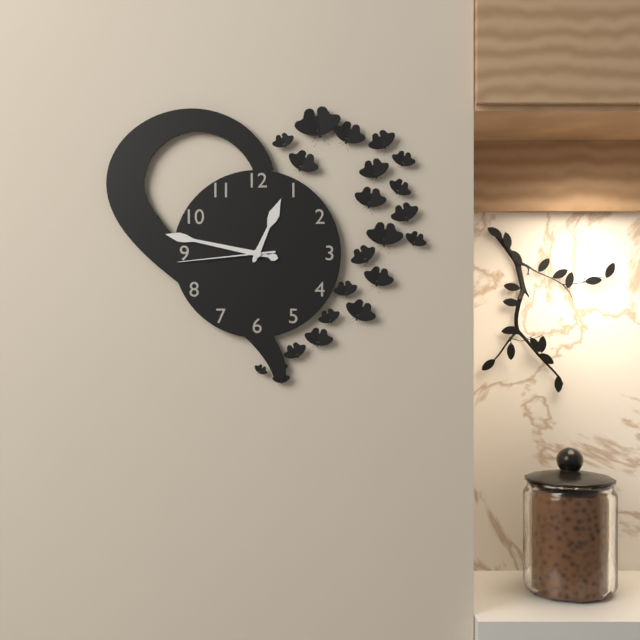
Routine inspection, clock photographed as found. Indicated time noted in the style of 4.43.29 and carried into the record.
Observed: 12.47.44
